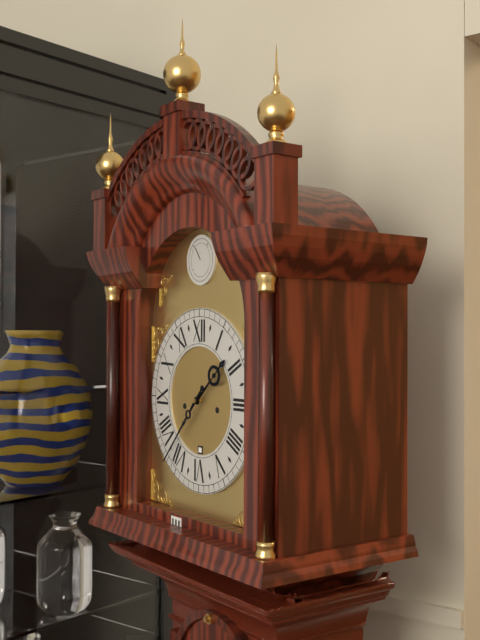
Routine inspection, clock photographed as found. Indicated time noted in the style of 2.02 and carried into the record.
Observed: 1.37
